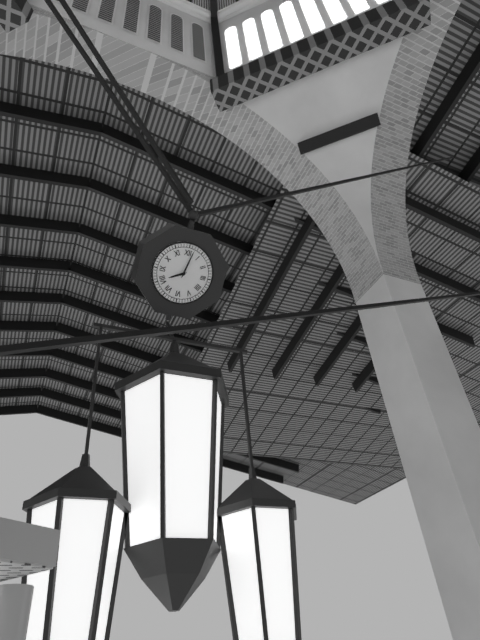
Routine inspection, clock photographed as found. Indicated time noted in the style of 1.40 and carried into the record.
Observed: 8.02
